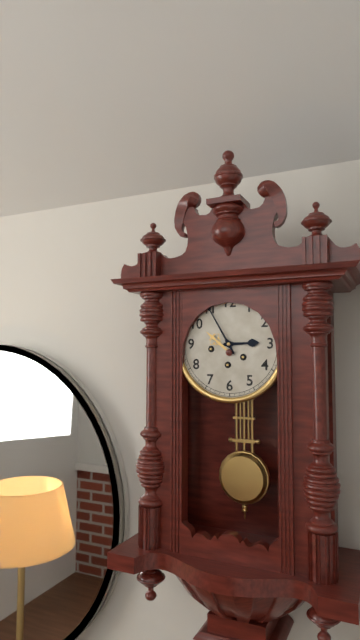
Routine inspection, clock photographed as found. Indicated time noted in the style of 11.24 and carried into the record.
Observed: 2.55
